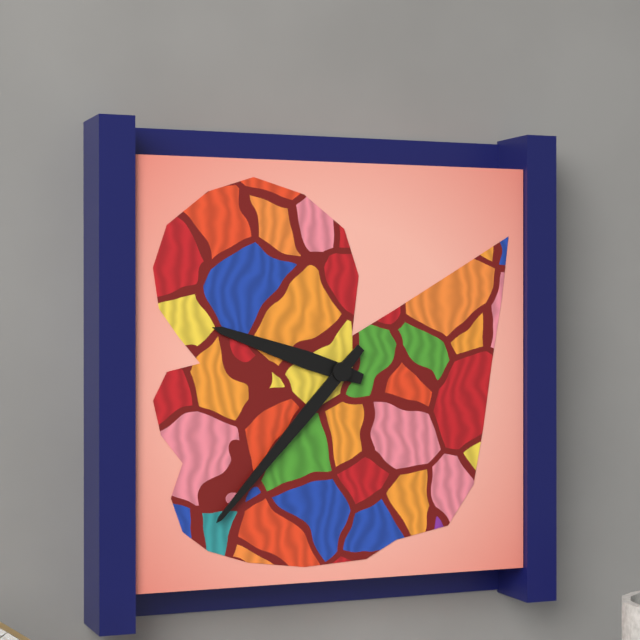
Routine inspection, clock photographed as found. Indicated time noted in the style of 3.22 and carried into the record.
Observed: 9.37
